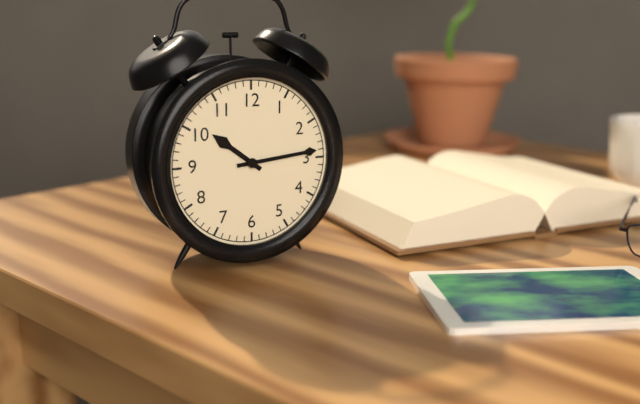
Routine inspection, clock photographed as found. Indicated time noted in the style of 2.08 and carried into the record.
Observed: 10.14
